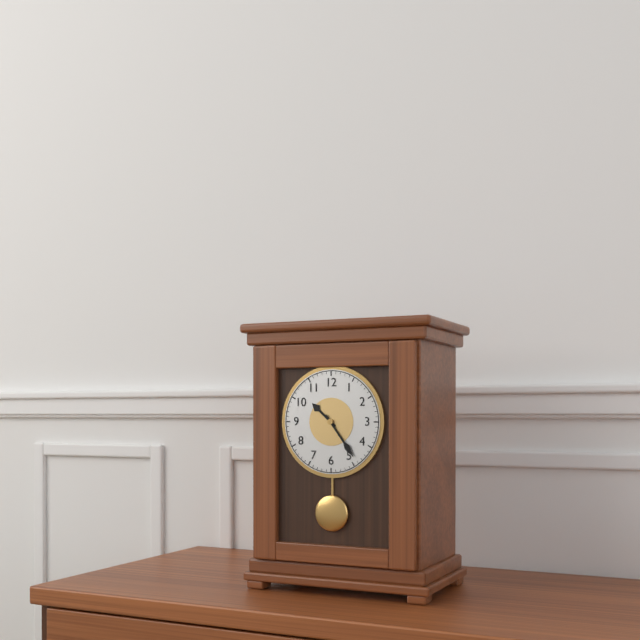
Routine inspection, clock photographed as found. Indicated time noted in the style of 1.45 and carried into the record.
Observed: 10.24
